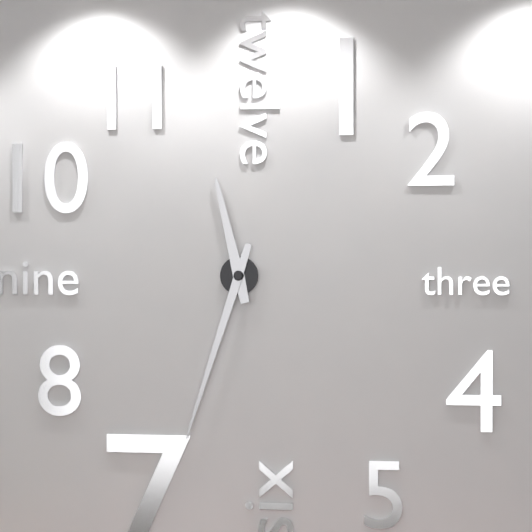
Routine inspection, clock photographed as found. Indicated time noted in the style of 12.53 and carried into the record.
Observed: 11.33
